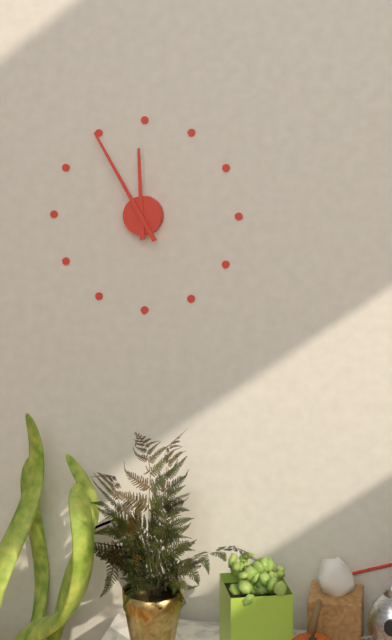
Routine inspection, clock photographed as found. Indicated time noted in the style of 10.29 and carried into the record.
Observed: 11.55
